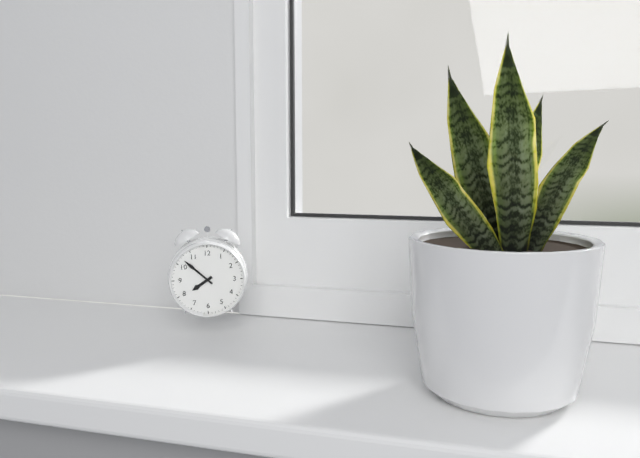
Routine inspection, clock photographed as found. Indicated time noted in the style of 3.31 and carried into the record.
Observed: 7.52
